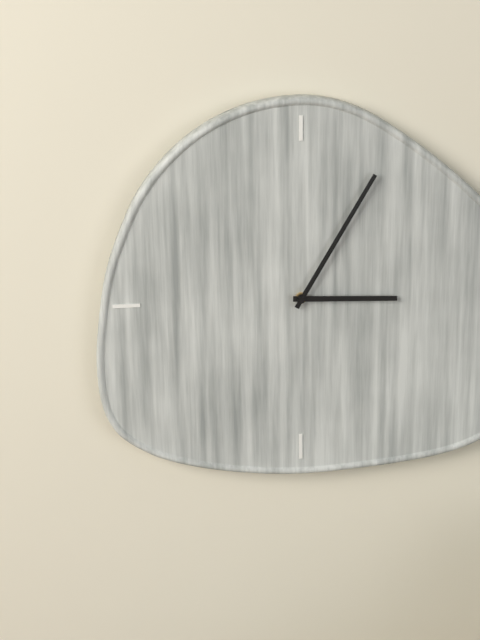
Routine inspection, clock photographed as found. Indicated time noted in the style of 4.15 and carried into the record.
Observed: 3.05
